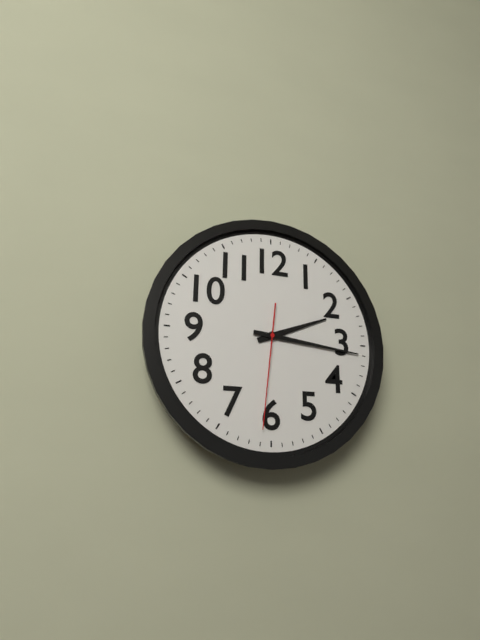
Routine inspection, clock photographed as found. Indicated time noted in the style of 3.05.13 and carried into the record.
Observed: 2.16.31
